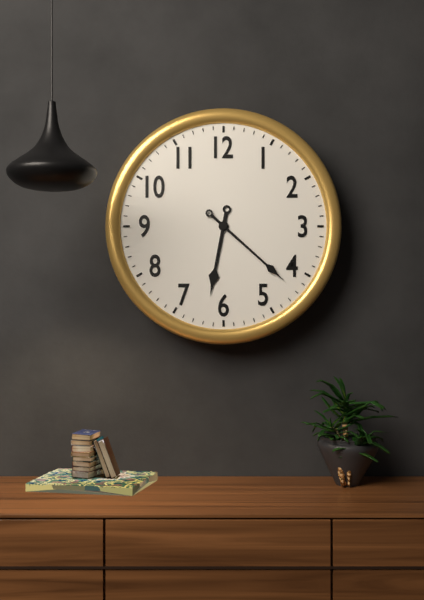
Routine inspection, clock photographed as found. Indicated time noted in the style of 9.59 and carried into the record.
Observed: 6.22
